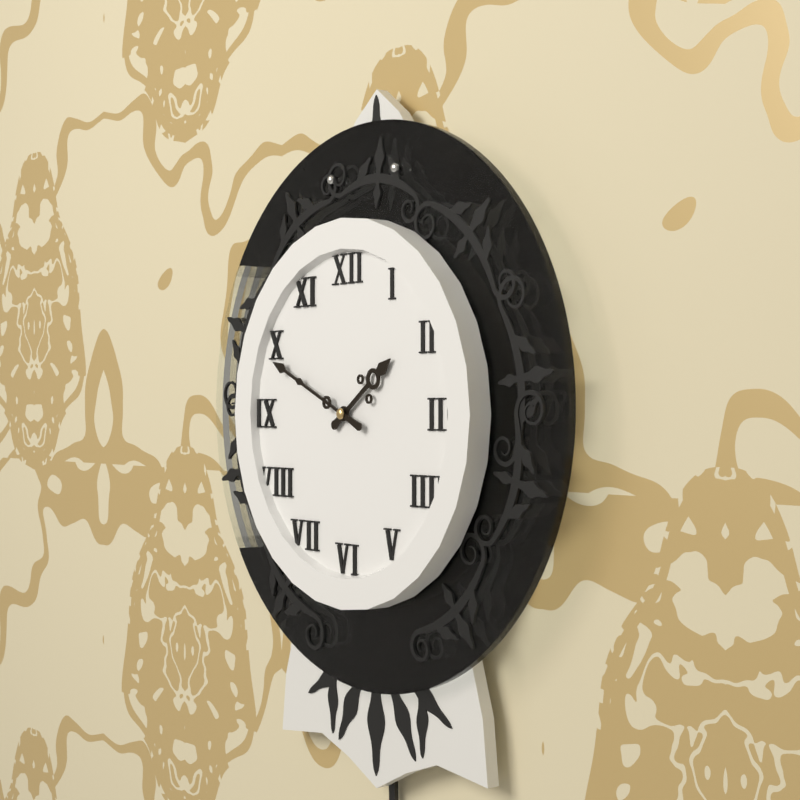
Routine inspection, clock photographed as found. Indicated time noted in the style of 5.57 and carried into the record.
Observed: 1.49
